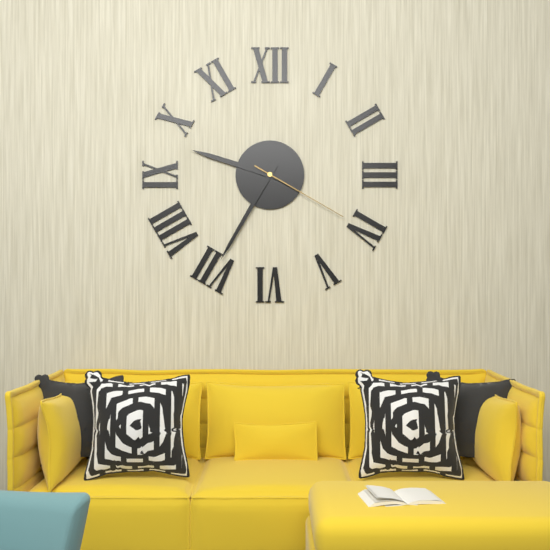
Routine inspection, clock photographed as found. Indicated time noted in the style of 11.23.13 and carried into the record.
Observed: 9.35.20
